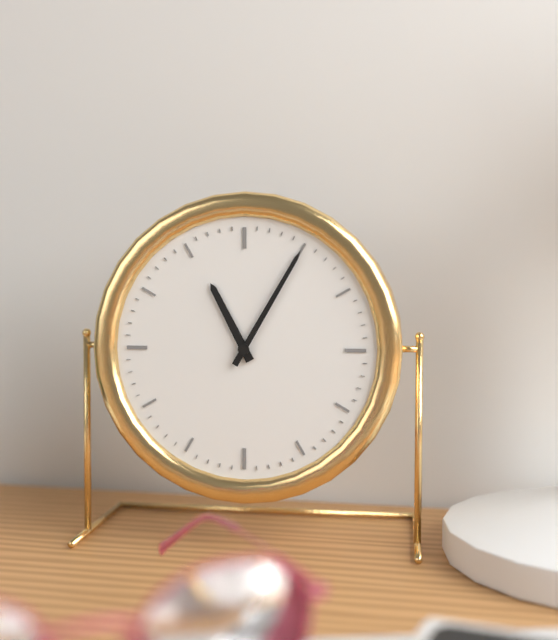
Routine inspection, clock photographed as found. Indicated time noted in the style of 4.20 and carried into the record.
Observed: 11.05
